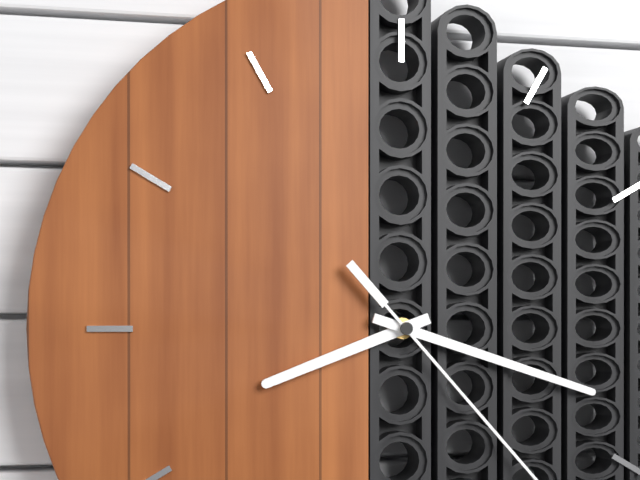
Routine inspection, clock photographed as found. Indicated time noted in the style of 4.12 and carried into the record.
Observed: 8.18
